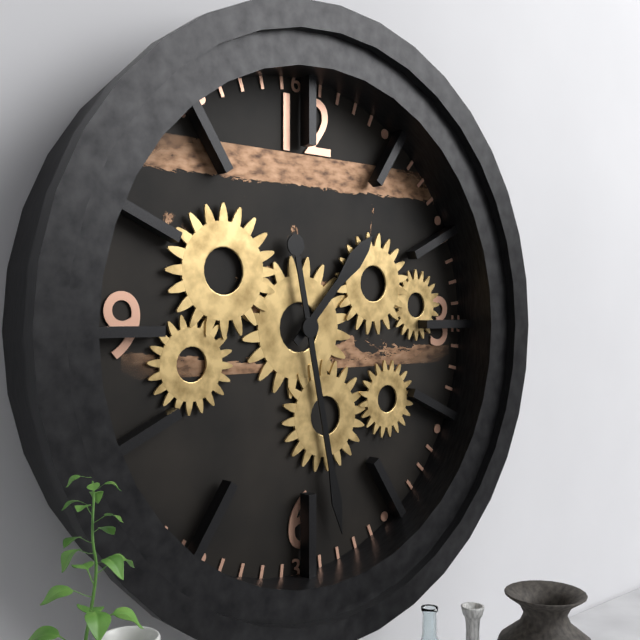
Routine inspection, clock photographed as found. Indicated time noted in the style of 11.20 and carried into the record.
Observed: 1.28
